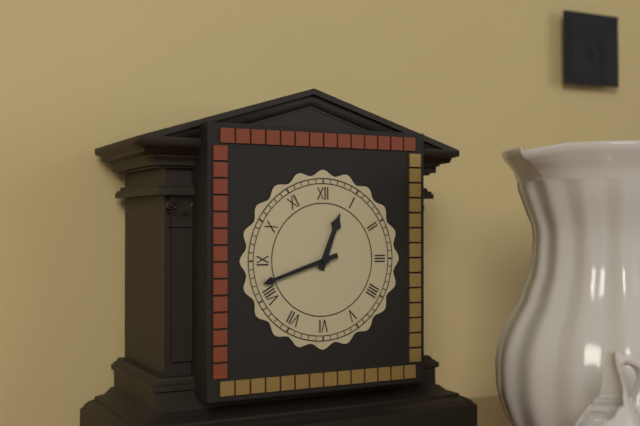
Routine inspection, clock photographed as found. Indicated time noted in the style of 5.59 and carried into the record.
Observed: 12.42
